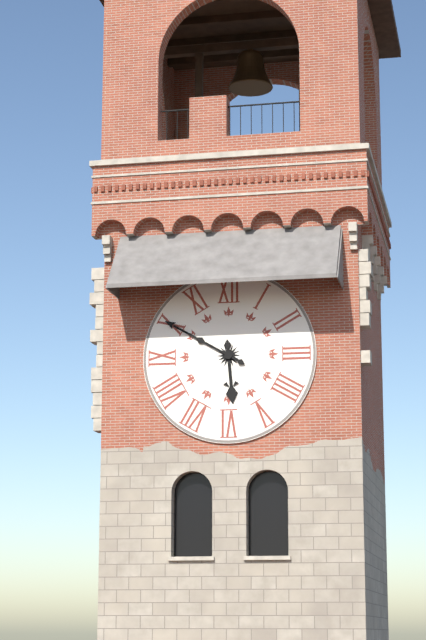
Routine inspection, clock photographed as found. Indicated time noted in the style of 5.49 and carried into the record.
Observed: 5.50
